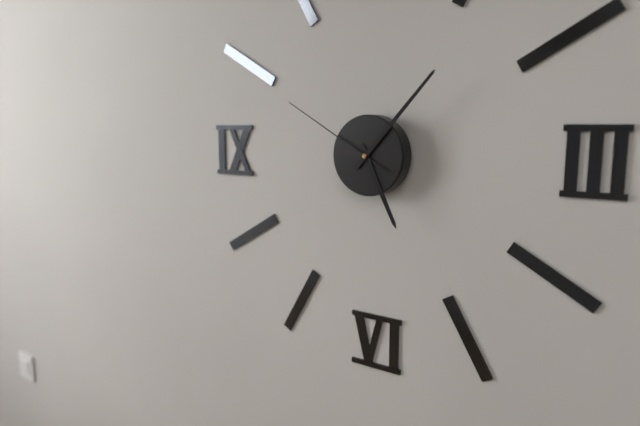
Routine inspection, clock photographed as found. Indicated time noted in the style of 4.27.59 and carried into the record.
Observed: 5.07.50
